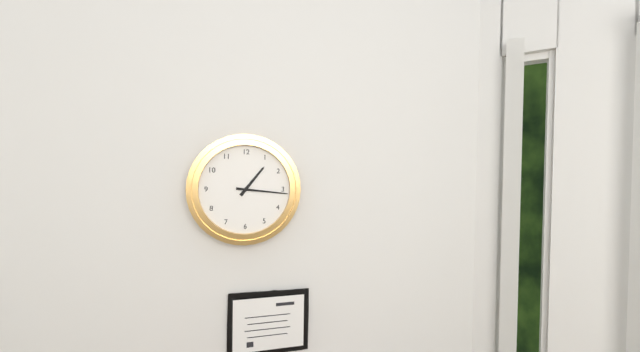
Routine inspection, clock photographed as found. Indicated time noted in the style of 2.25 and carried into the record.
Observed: 1.16
